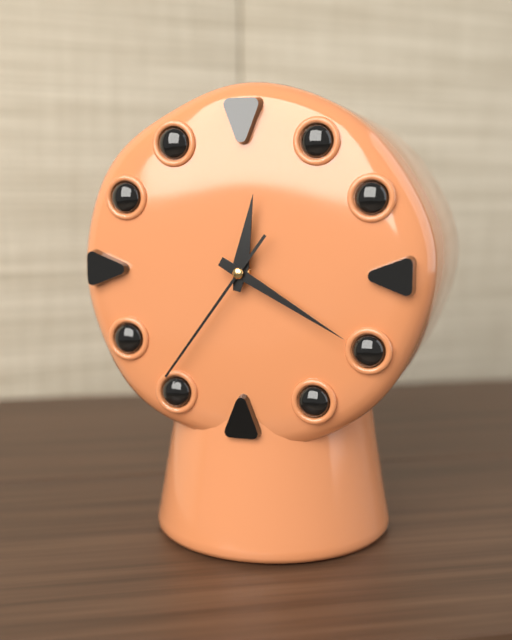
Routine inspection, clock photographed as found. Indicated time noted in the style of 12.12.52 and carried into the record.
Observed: 12.20.36
